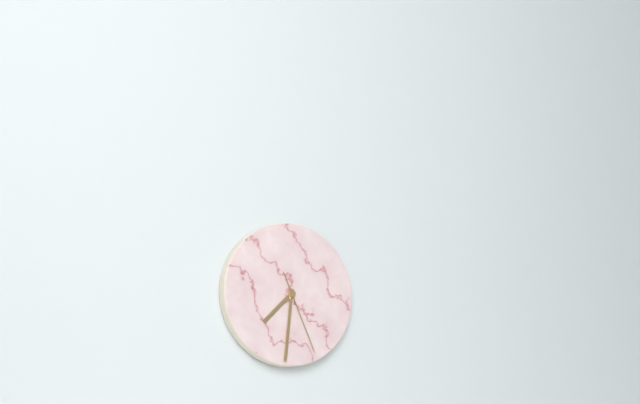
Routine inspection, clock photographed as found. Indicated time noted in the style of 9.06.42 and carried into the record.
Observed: 7.31.26
